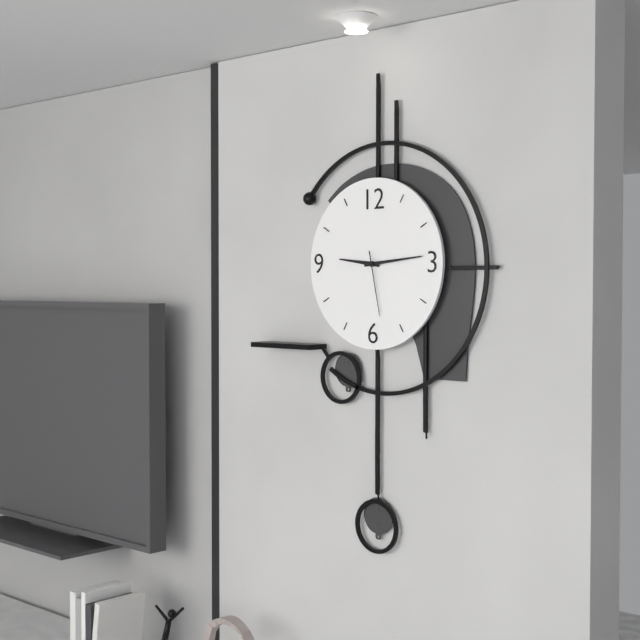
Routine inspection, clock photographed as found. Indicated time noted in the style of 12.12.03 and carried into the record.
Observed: 9.14.28
